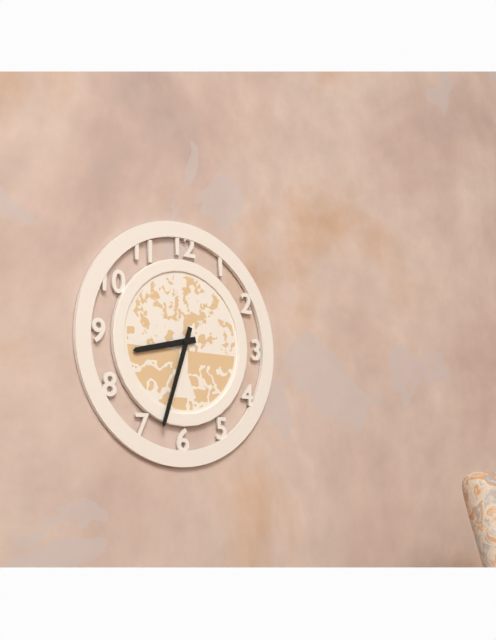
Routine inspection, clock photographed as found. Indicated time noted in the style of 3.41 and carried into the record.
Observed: 8.33
